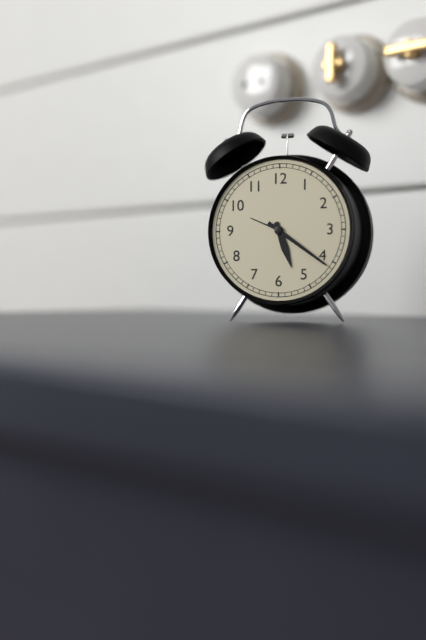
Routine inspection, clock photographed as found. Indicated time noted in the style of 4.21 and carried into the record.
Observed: 5.21
